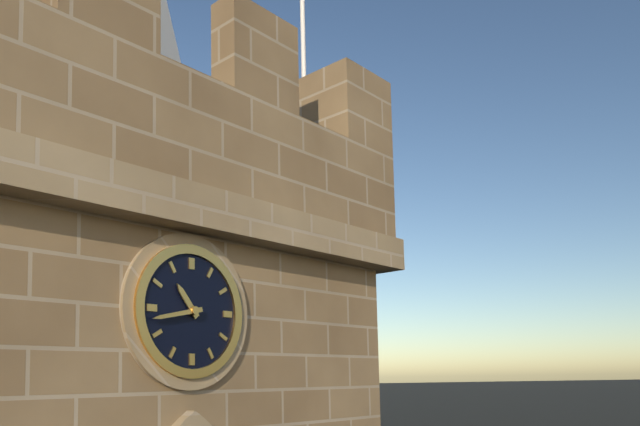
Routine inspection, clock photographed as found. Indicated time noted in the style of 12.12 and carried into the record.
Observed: 10.43
